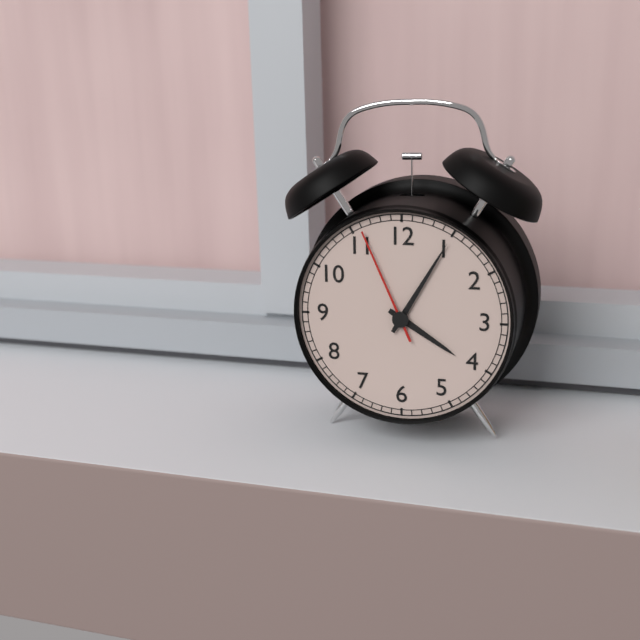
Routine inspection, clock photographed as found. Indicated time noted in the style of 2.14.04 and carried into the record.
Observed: 4.05.56
